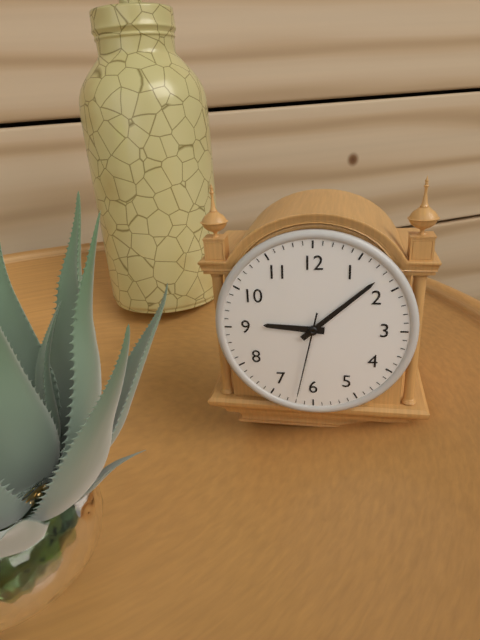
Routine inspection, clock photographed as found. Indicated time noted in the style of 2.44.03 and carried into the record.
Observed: 9.08.32
